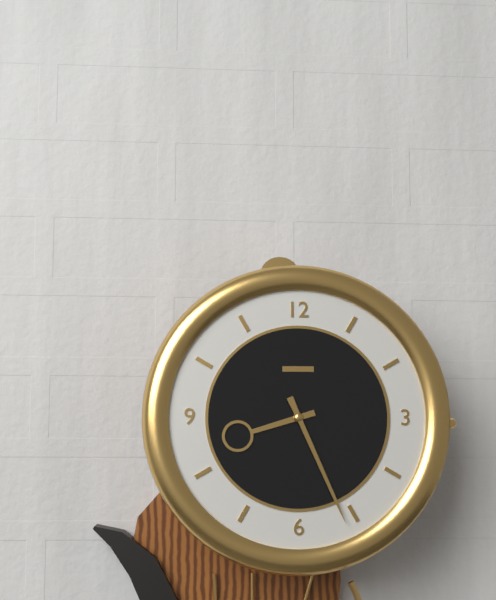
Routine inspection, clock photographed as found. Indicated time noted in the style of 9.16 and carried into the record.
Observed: 8.26
